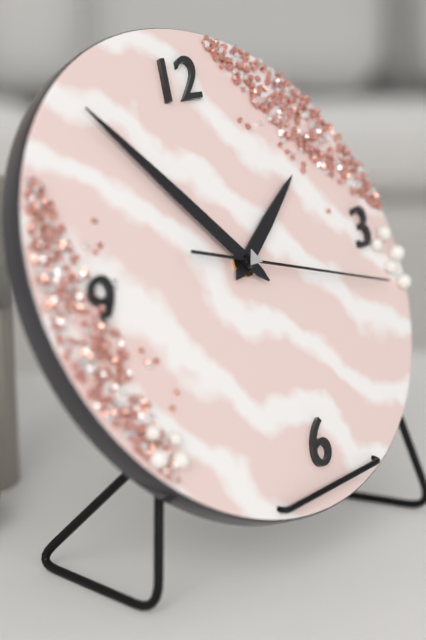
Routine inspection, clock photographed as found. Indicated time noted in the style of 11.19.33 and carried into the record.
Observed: 1.54.18
